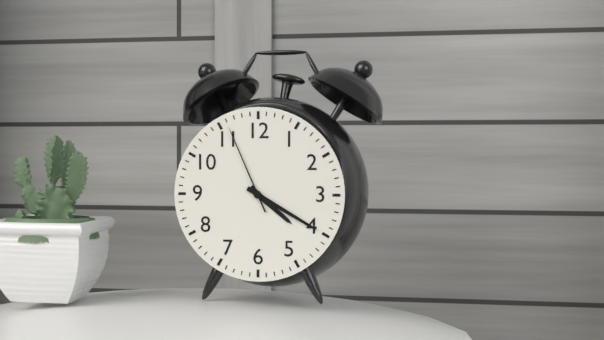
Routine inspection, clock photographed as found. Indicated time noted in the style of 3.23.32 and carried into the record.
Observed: 4.20.56
